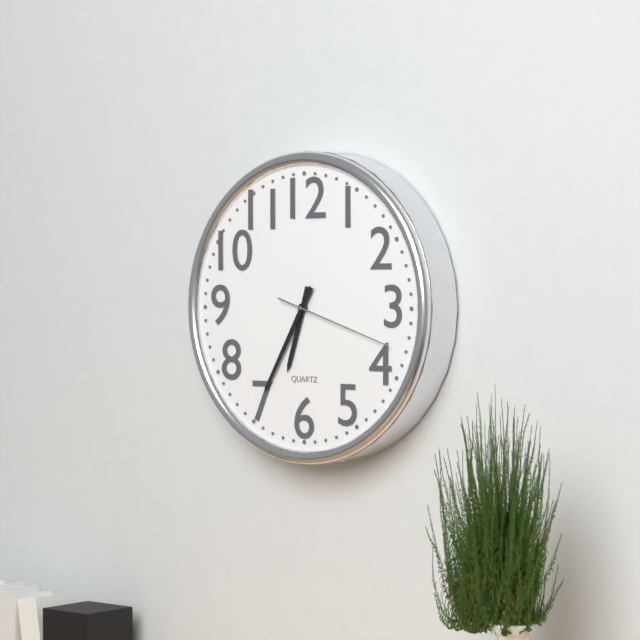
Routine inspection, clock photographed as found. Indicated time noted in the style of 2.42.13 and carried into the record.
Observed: 6.35.18
